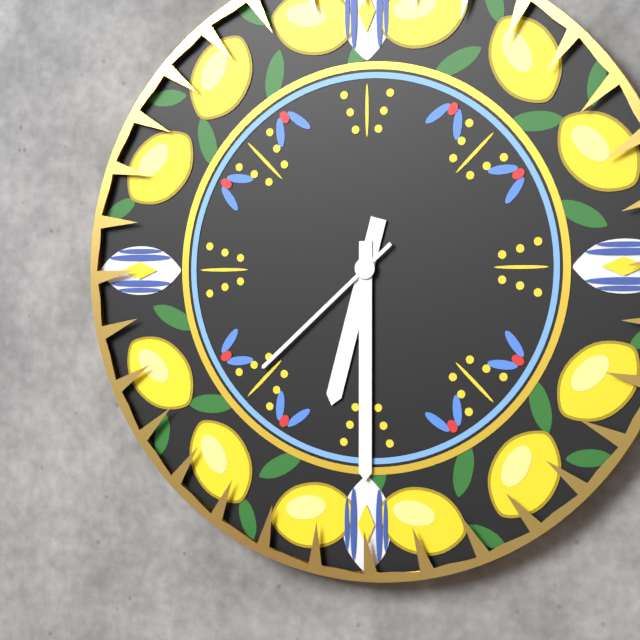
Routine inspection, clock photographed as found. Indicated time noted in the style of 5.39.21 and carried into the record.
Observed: 6.30.38
